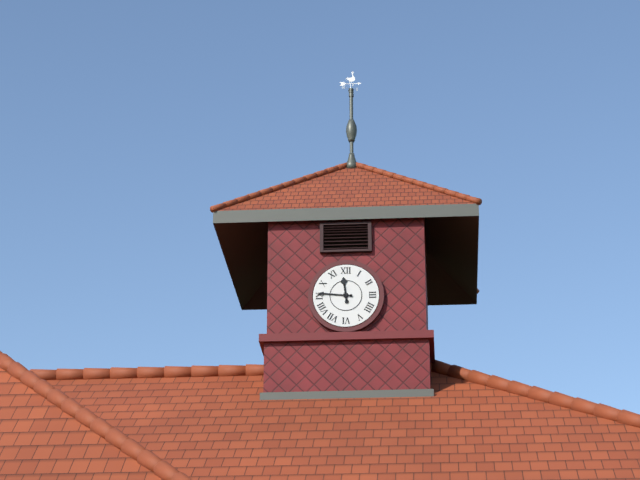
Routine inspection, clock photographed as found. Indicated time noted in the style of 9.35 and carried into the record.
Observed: 11.46
